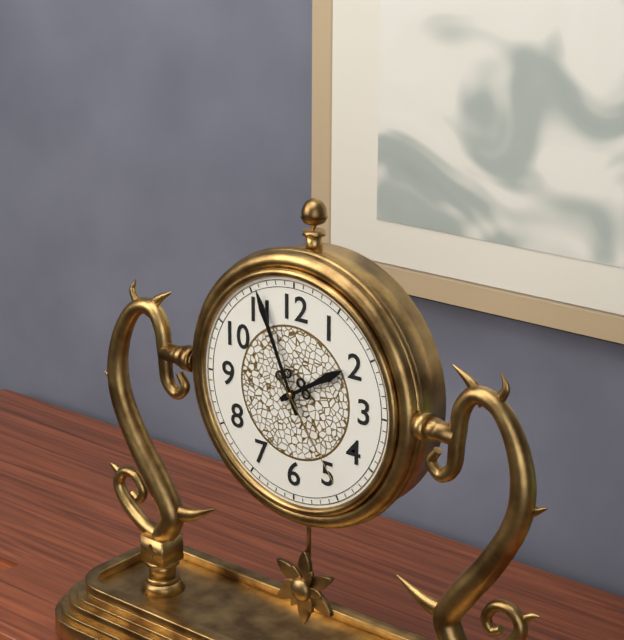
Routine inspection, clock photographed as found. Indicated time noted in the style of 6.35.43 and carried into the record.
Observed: 1.56.24
